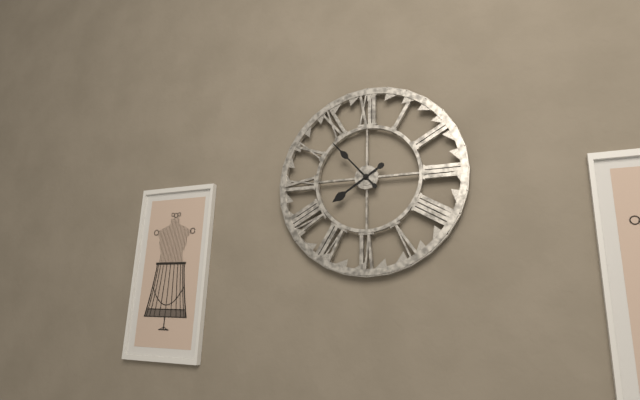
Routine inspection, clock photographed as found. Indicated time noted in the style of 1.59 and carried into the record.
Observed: 7.53
